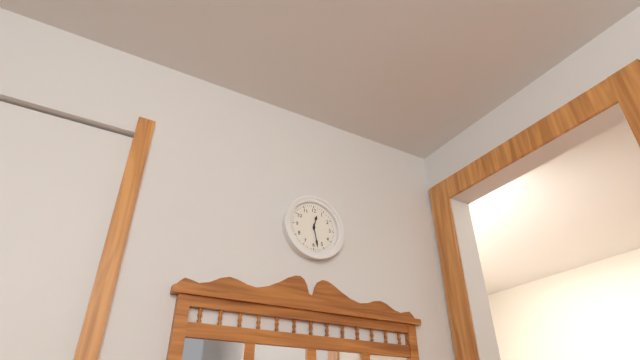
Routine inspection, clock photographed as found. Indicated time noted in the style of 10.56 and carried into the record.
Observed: 12.28
